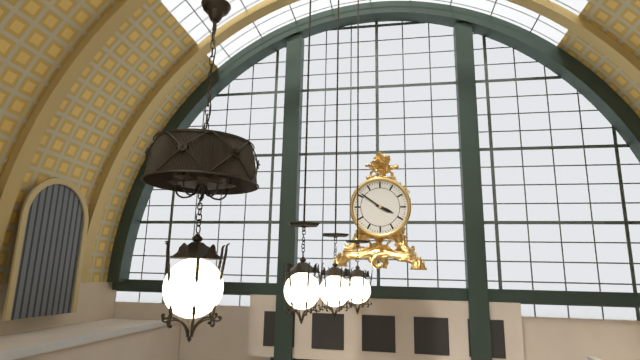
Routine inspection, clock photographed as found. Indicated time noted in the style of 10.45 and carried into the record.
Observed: 3.51
